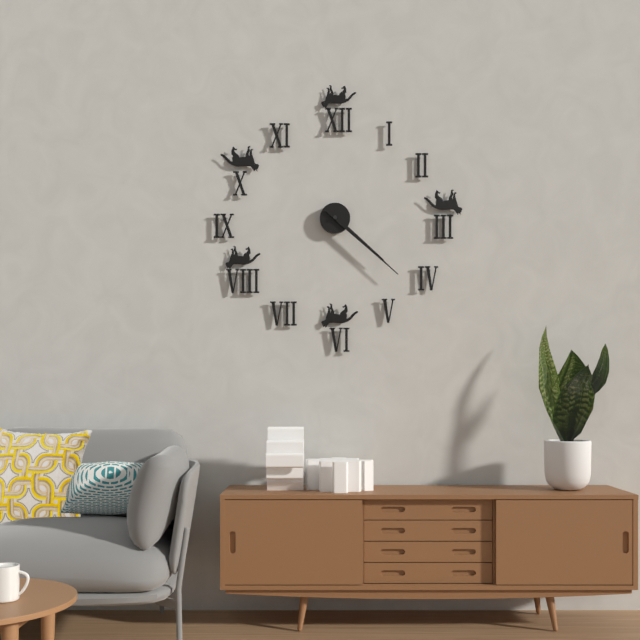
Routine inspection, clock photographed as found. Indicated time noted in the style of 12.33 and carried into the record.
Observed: 4.22
